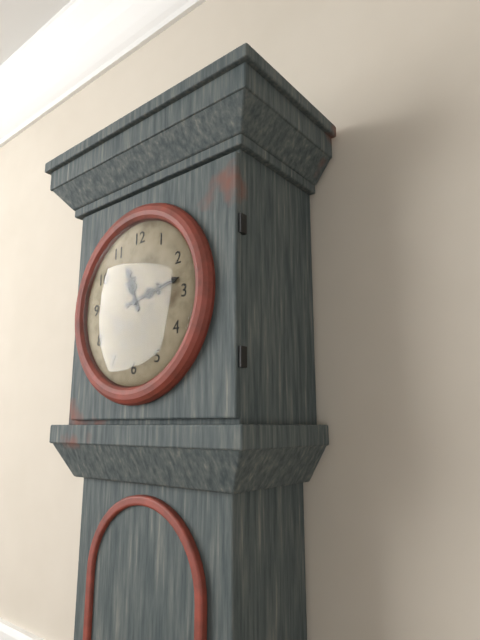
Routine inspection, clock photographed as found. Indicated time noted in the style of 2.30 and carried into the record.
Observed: 11.13
